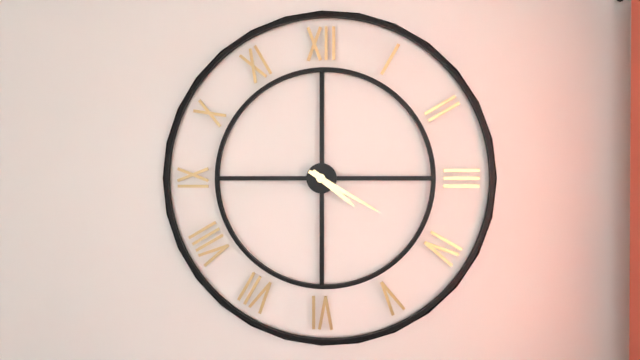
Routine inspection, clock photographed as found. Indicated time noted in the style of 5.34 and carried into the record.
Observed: 4.20
